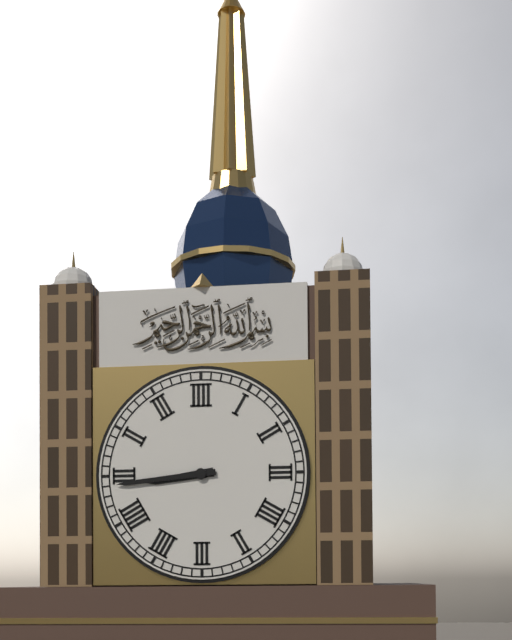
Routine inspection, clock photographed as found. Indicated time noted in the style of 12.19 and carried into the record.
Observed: 8.44
